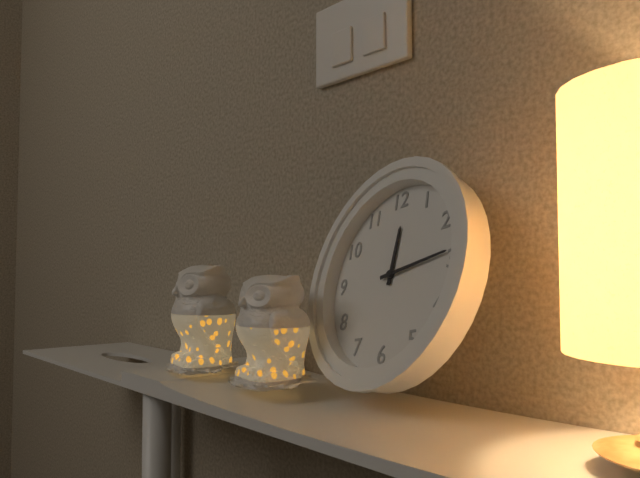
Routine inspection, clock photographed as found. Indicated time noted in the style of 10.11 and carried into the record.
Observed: 12.14
